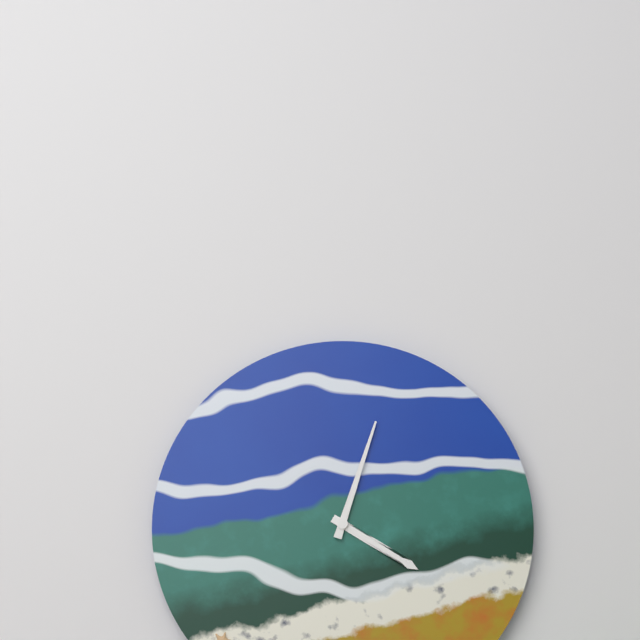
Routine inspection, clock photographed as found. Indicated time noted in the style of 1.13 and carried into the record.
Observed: 4.03
